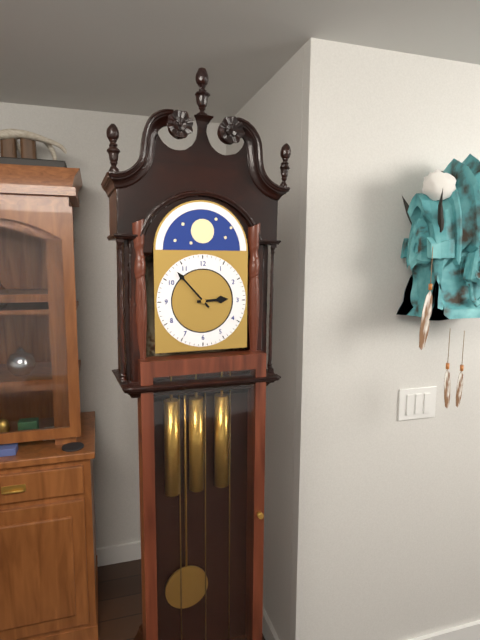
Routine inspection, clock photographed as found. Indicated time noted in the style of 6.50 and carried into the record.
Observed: 2.53
